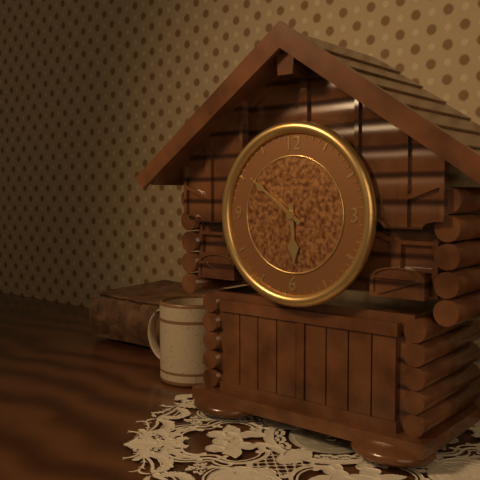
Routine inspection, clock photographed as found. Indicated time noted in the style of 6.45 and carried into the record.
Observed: 5.51
